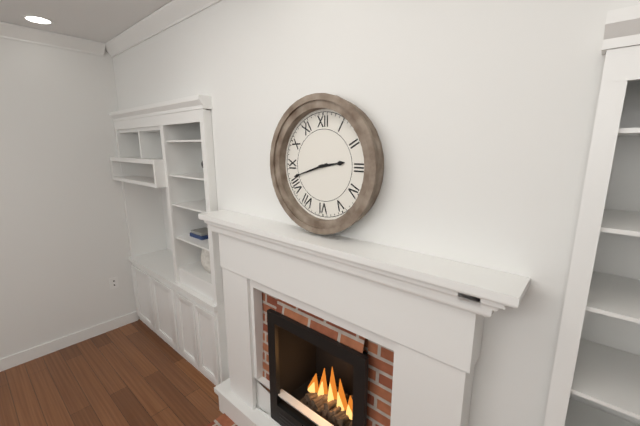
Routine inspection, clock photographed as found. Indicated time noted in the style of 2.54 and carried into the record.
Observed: 2.42
